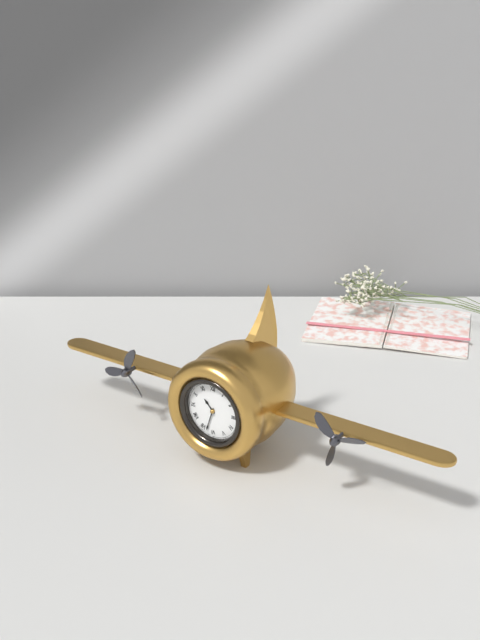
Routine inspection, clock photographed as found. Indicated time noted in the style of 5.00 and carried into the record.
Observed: 10.33
